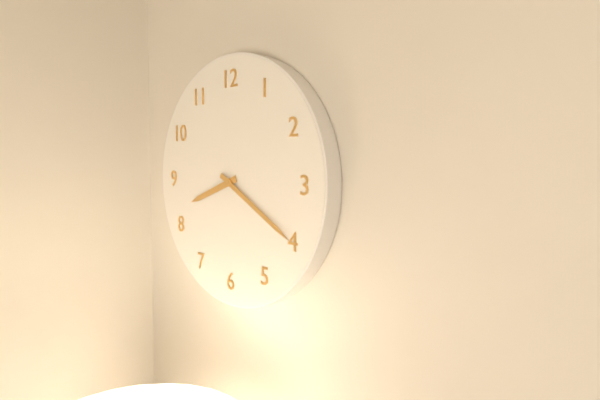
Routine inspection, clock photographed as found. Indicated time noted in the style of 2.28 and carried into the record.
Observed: 8.20
